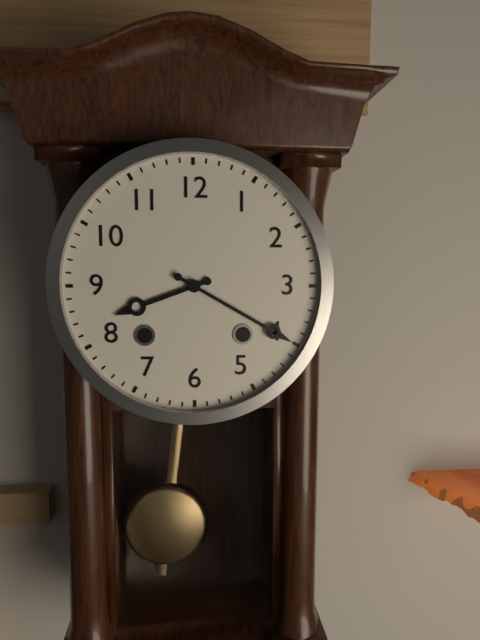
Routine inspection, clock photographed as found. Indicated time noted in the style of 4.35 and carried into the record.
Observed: 8.20
